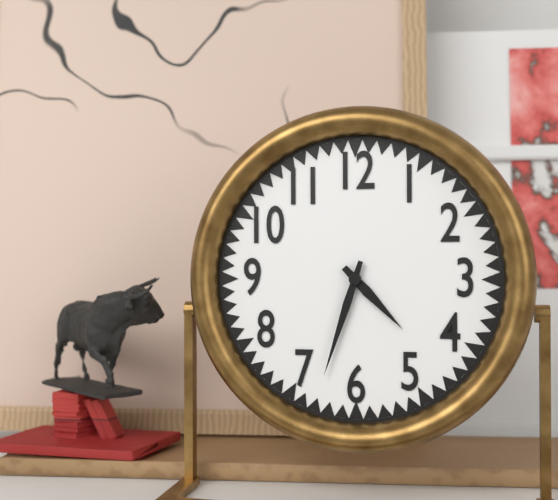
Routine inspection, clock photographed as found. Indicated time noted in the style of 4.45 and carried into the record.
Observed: 4.33
